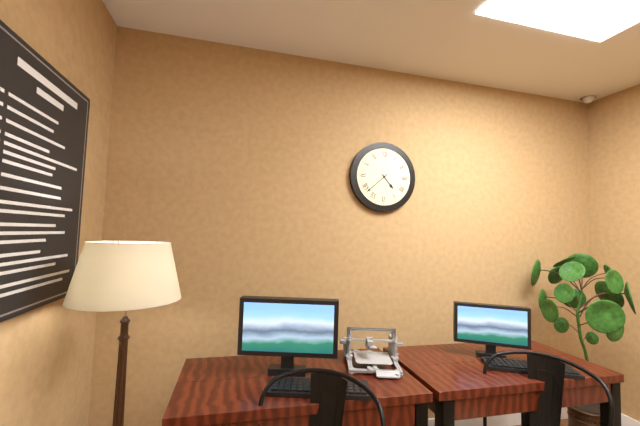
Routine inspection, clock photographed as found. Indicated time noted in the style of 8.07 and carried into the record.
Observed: 4.38
